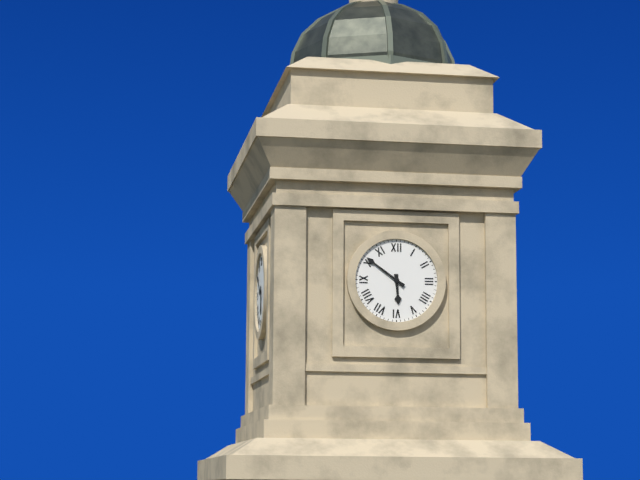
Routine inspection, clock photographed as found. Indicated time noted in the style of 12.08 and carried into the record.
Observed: 5.51
